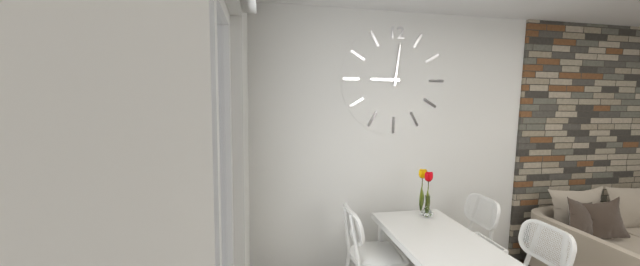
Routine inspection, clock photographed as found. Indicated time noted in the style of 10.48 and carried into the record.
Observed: 9.01
